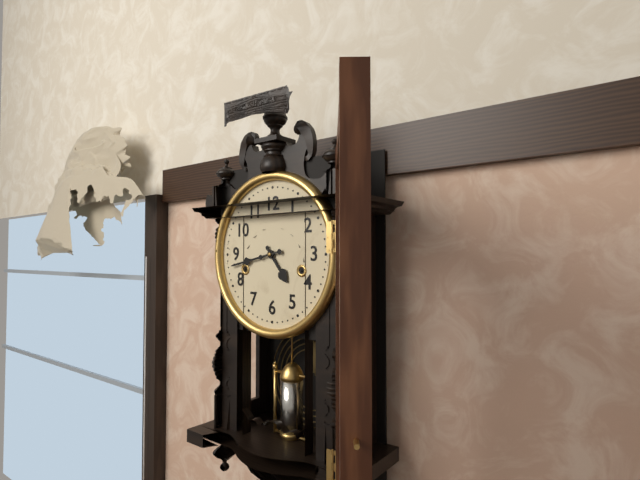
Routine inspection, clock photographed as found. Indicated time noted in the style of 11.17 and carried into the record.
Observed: 4.43
